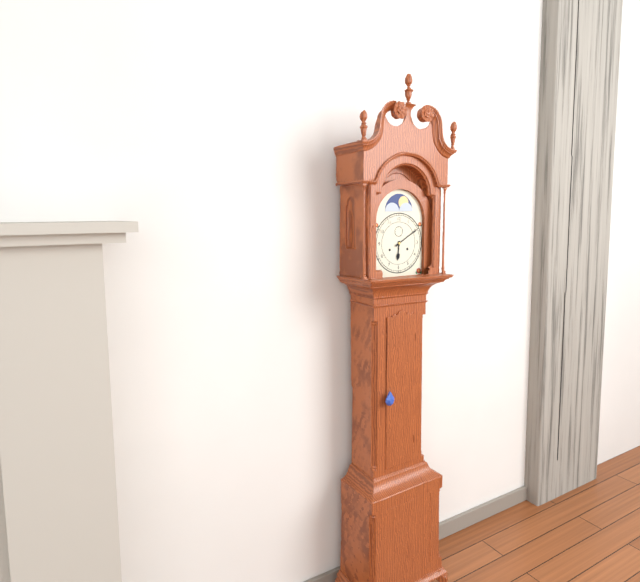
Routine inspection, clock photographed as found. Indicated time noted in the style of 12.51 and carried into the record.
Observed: 6.10
